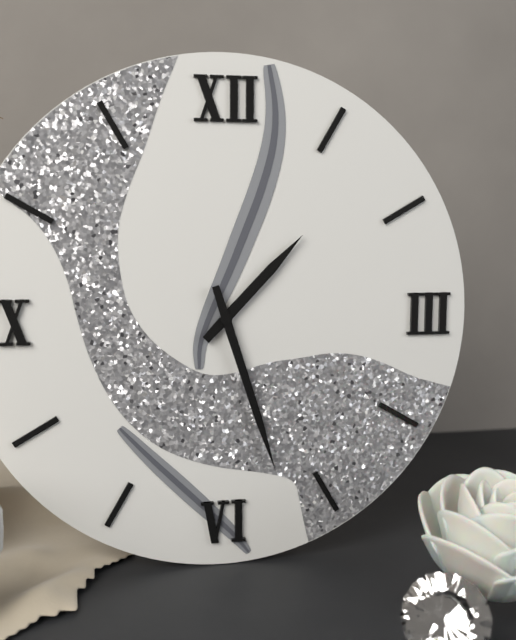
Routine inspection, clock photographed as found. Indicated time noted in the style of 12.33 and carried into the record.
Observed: 1.27
